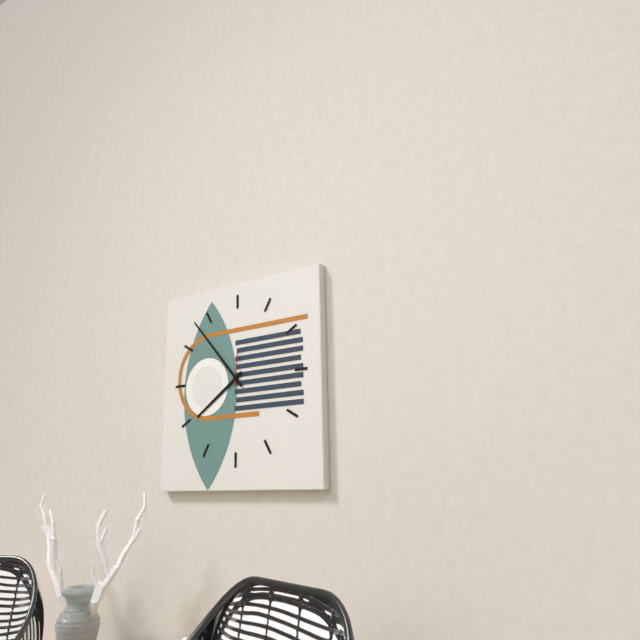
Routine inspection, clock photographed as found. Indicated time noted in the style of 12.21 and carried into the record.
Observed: 7.53
